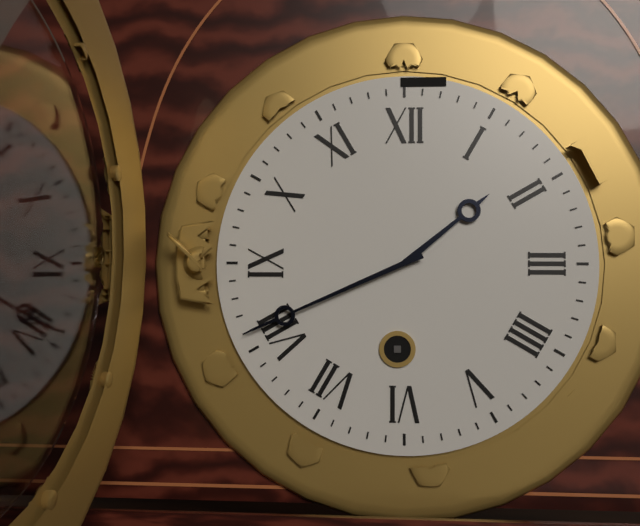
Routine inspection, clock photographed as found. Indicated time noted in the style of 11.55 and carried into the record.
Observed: 1.41
